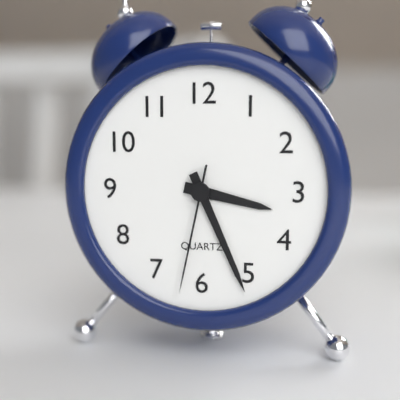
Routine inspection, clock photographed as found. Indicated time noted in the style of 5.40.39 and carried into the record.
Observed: 3.26.32
